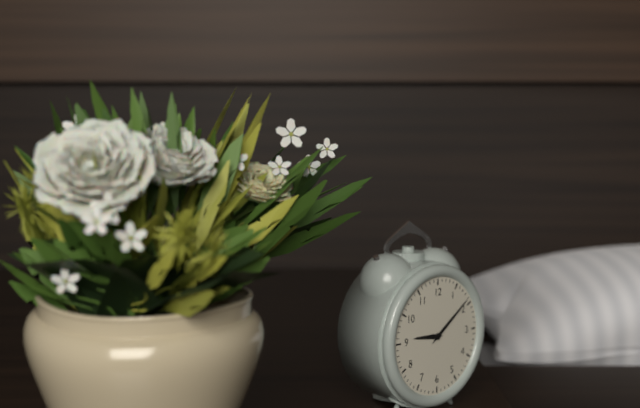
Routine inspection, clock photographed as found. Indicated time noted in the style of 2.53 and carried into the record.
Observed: 9.09
